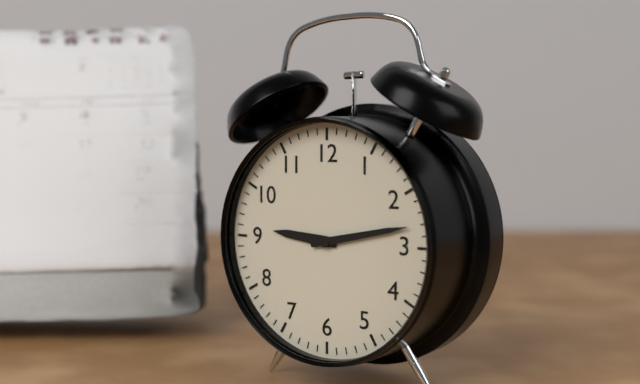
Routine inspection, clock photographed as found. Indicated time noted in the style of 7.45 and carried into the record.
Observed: 9.13
